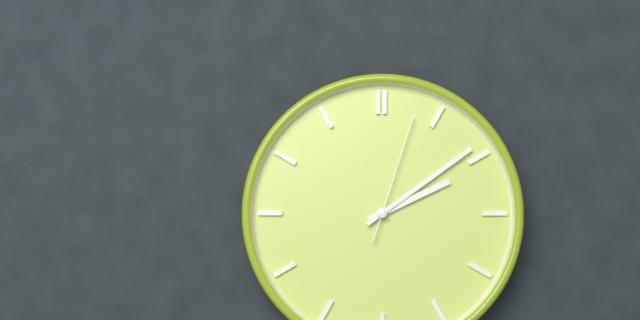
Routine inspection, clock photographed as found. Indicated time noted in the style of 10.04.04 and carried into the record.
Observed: 2.09.03
